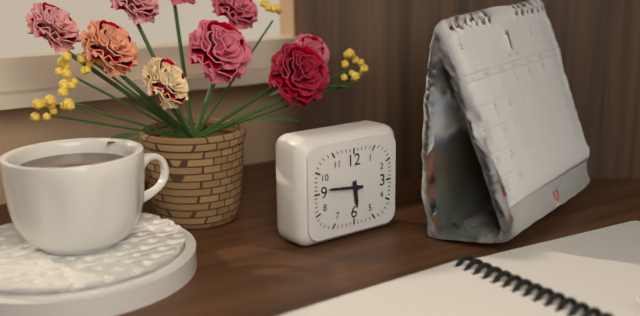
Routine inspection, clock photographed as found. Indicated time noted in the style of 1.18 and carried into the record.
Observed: 5.46
